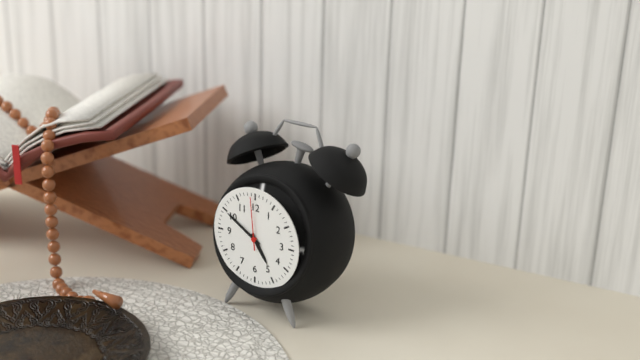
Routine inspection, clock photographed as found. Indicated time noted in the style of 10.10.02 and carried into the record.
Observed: 4.50.59
